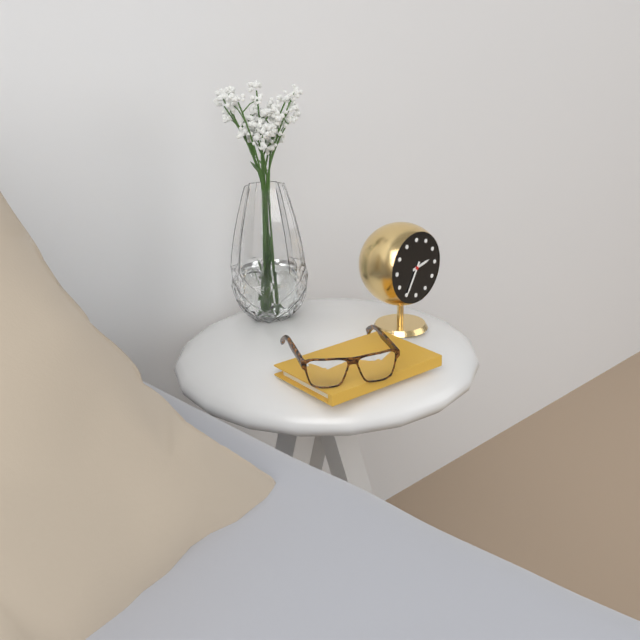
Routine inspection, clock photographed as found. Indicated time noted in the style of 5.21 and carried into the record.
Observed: 2.35
